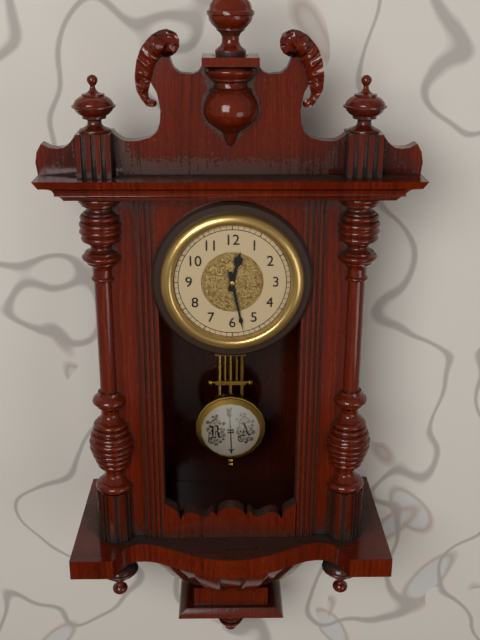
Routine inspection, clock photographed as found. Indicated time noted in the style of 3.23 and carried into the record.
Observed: 12.28
